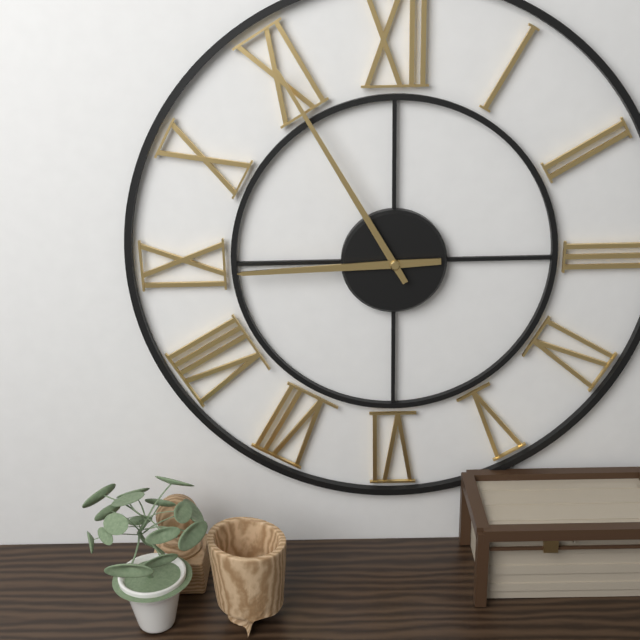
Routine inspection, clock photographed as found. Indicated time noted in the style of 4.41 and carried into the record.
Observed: 8.55
